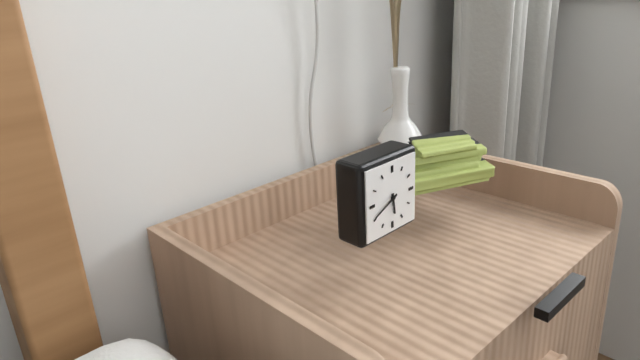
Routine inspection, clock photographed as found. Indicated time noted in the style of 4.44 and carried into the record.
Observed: 5.41
